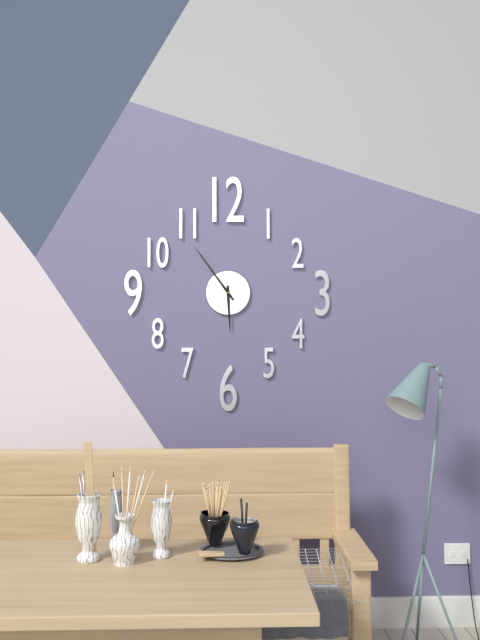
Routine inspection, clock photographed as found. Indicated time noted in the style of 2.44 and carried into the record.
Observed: 5.54
